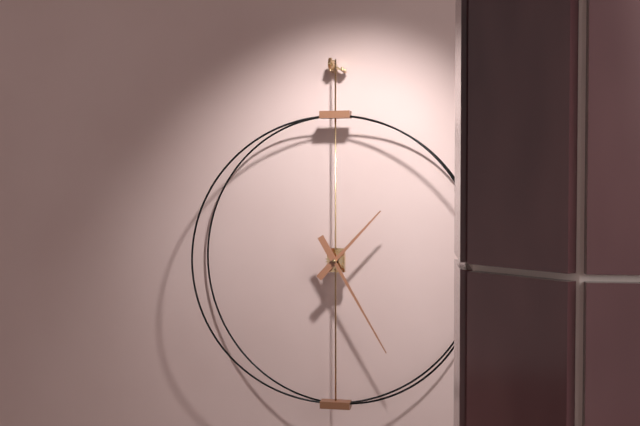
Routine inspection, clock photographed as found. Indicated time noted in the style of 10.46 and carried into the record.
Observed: 1.25
